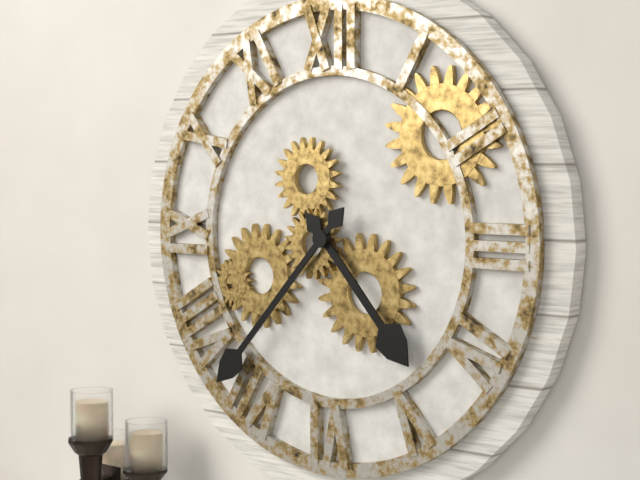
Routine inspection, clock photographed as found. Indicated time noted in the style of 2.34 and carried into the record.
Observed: 4.37
